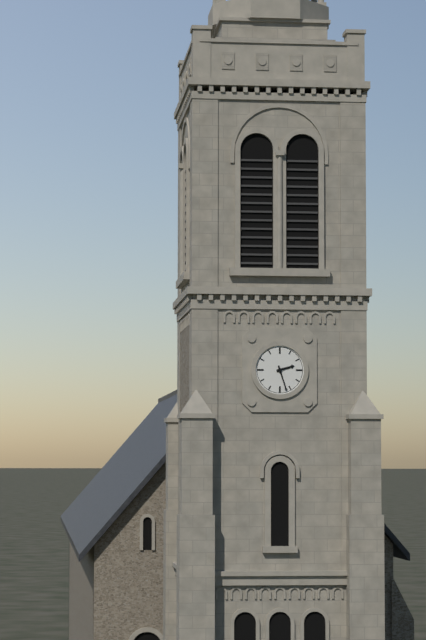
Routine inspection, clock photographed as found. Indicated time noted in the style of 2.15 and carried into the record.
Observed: 2.27
